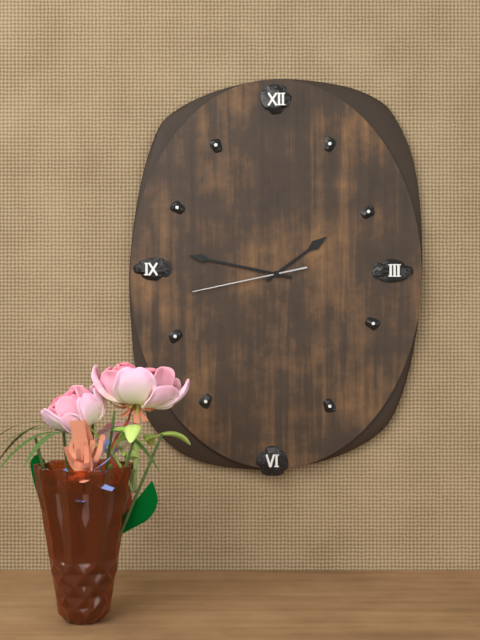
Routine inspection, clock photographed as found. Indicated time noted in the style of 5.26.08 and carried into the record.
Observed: 1.47.43
